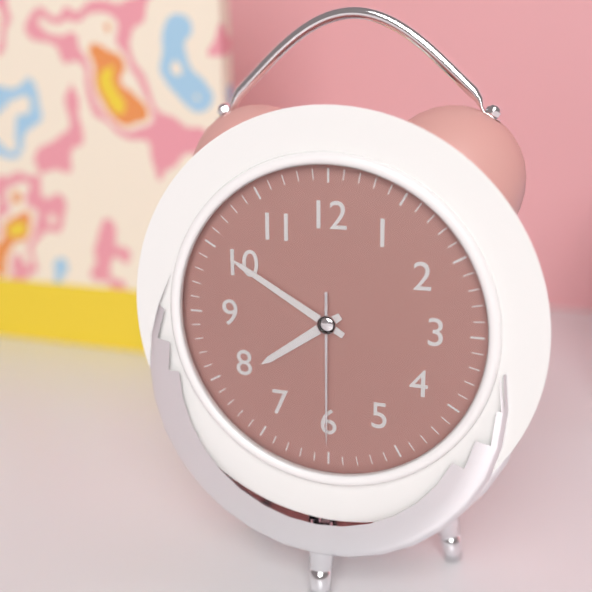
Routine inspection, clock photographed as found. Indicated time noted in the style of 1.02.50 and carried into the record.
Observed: 7.50.30
